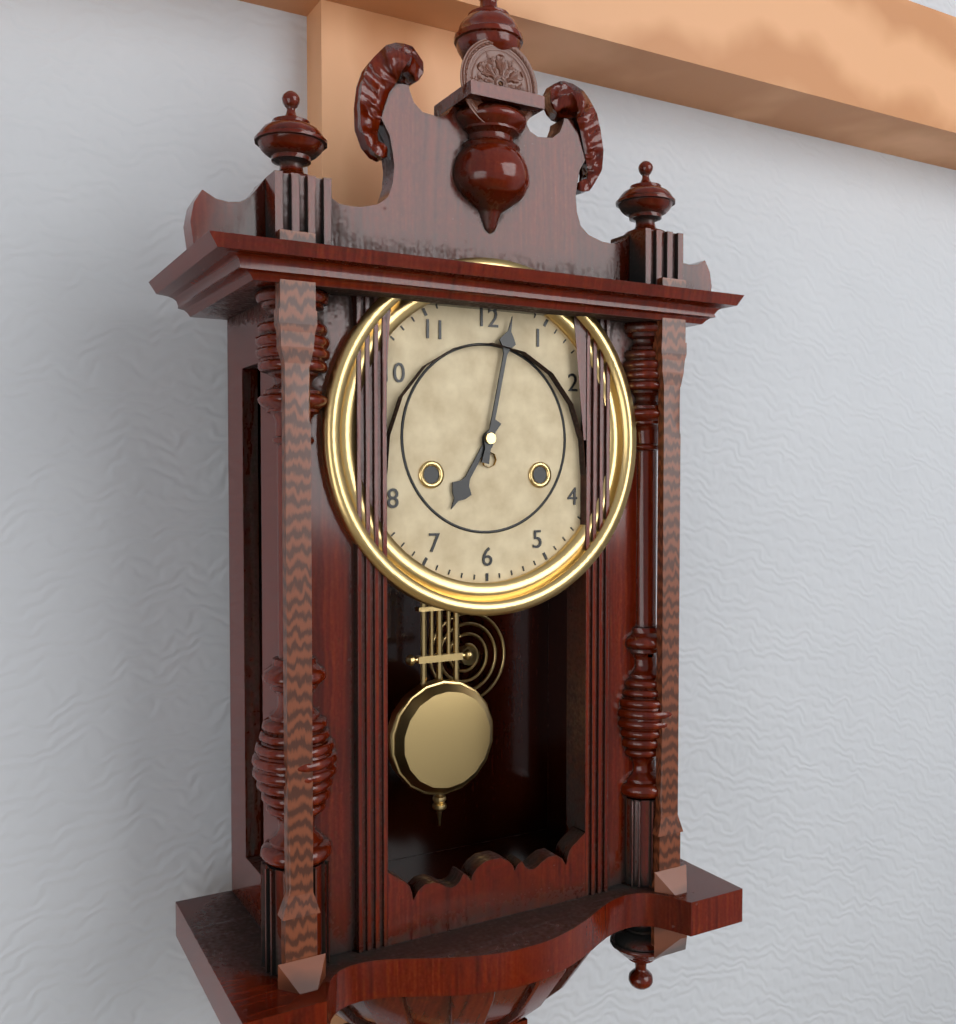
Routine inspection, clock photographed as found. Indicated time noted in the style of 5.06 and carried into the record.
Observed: 7.02
